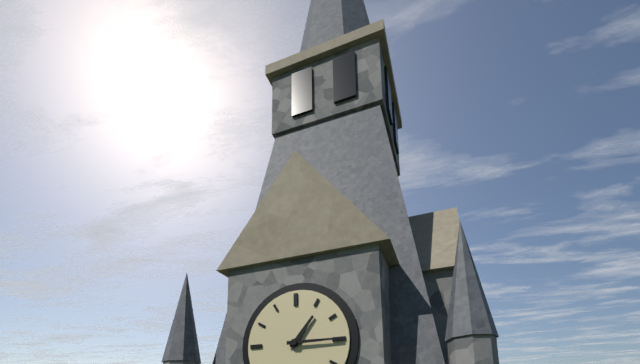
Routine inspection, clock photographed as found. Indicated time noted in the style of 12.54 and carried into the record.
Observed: 1.15
